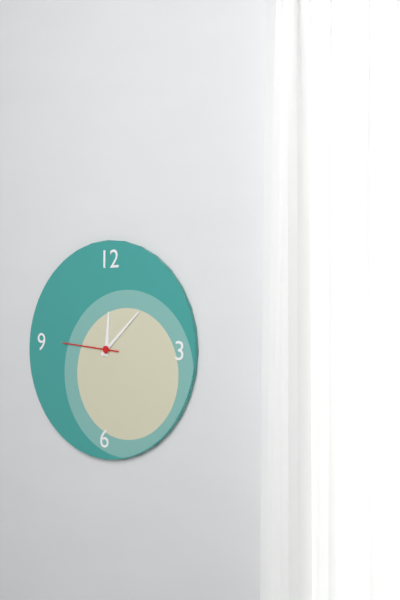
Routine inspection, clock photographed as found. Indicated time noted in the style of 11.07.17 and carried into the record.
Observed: 12.08.46
